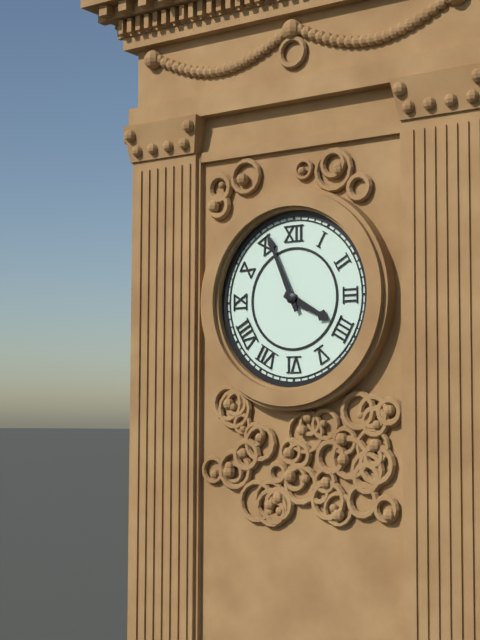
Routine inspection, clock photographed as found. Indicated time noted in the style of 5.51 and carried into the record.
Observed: 3.56
